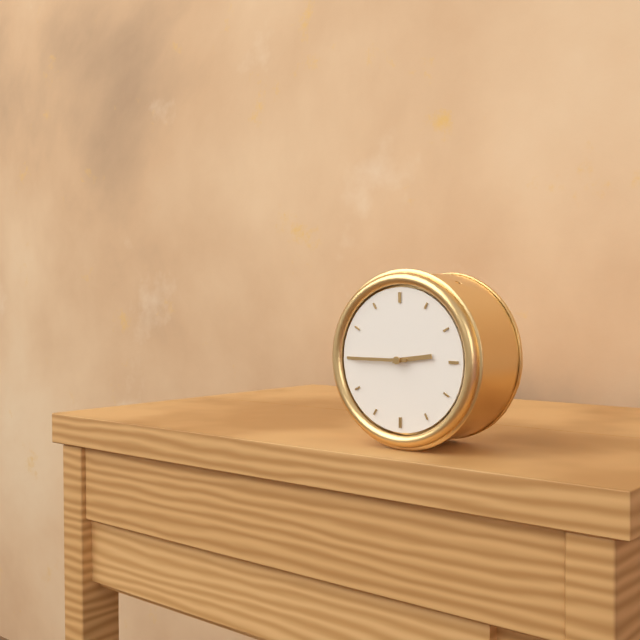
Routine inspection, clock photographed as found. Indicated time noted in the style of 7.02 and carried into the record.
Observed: 2.45
